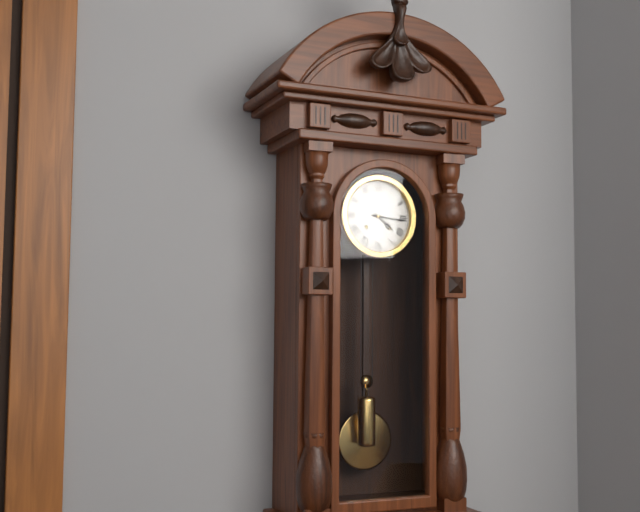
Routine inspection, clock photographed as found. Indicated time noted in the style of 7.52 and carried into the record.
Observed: 4.16
